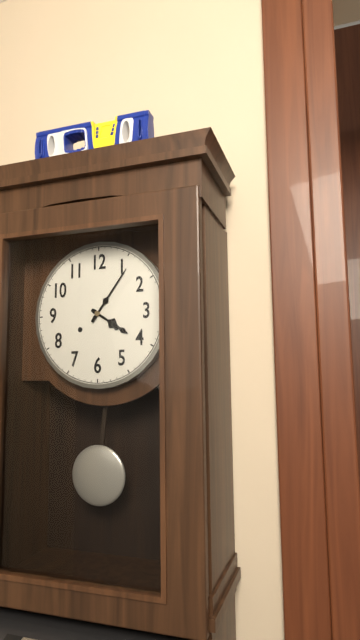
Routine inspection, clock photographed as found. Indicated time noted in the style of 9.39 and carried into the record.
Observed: 4.06
